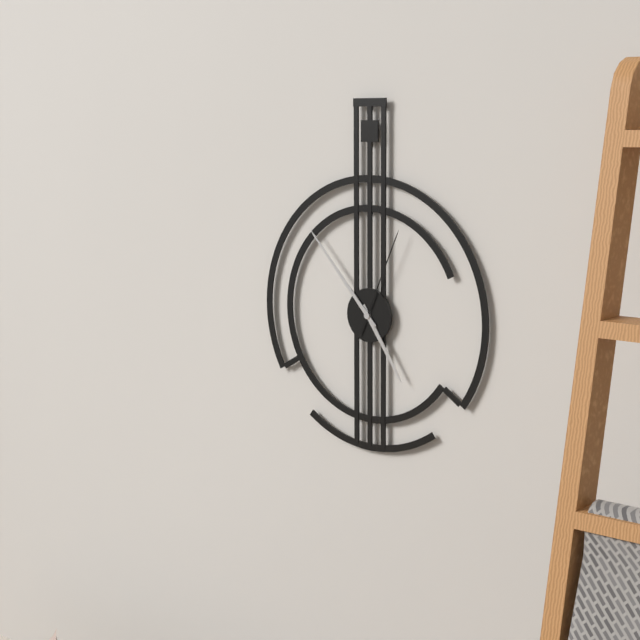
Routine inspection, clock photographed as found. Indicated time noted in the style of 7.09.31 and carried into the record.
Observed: 4.53.04
